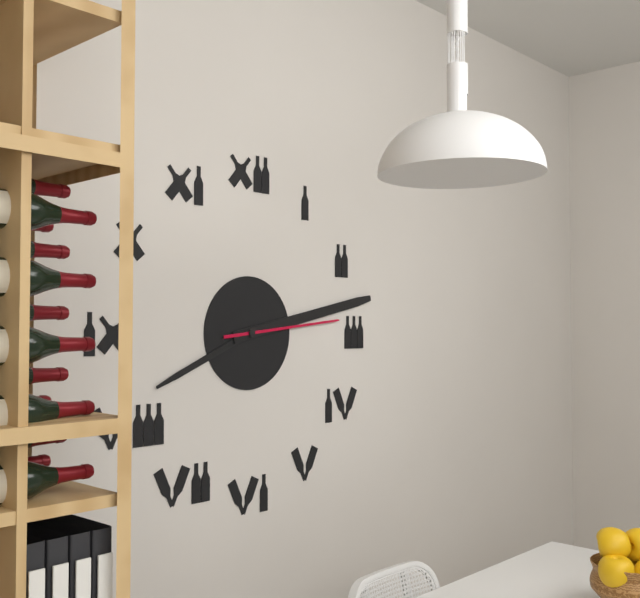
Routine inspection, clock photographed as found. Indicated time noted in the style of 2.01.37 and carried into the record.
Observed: 8.13.14
